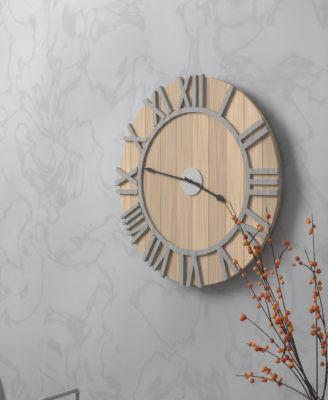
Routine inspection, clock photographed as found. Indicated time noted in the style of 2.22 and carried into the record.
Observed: 3.47
